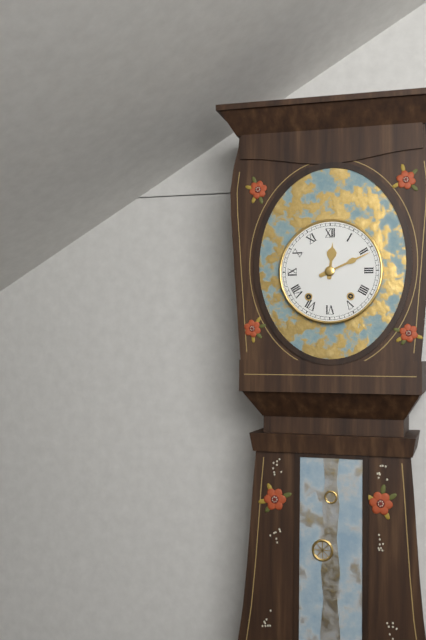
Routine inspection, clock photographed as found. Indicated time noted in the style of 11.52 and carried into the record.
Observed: 12.11
